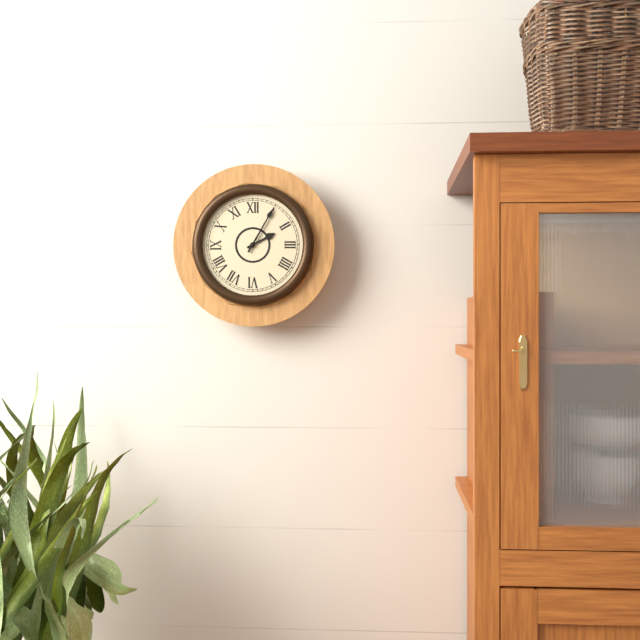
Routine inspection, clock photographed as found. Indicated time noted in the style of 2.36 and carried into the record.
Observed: 2.05
